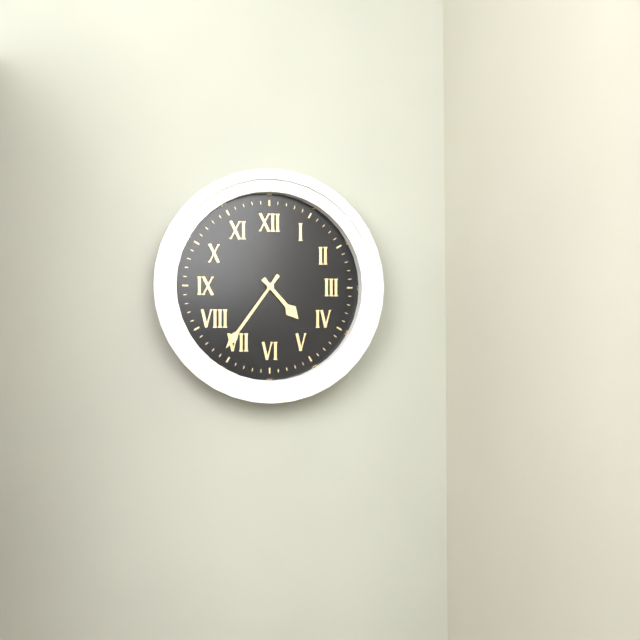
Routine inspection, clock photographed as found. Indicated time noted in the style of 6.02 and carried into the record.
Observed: 4.36
